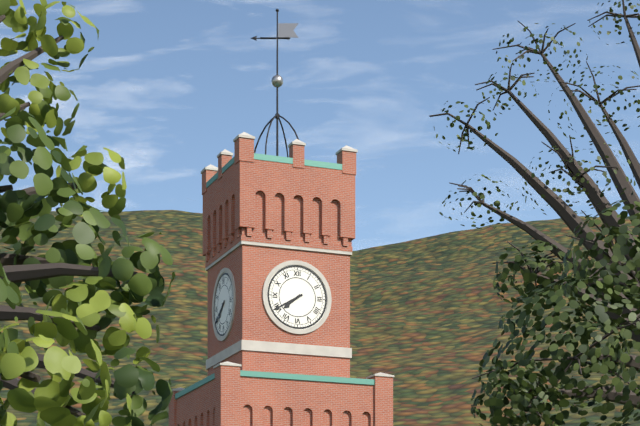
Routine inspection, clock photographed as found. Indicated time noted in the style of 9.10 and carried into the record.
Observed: 7.40
